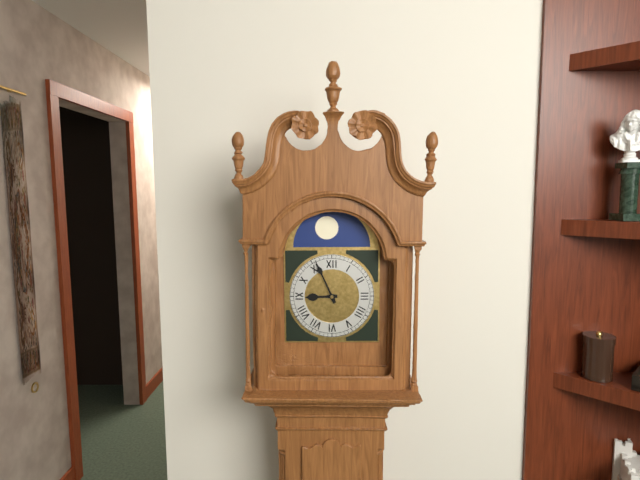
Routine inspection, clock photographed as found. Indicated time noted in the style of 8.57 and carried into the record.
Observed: 8.56
